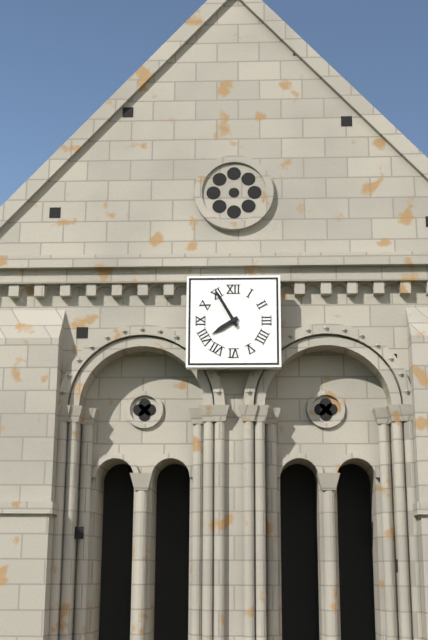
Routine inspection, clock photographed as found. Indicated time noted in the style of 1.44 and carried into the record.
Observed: 7.55
